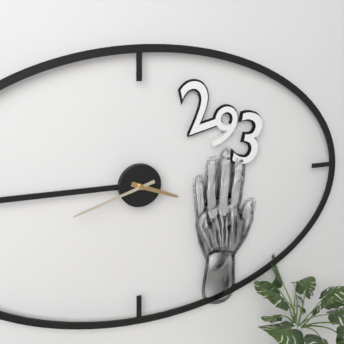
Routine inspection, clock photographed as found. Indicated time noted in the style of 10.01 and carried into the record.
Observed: 3.42
